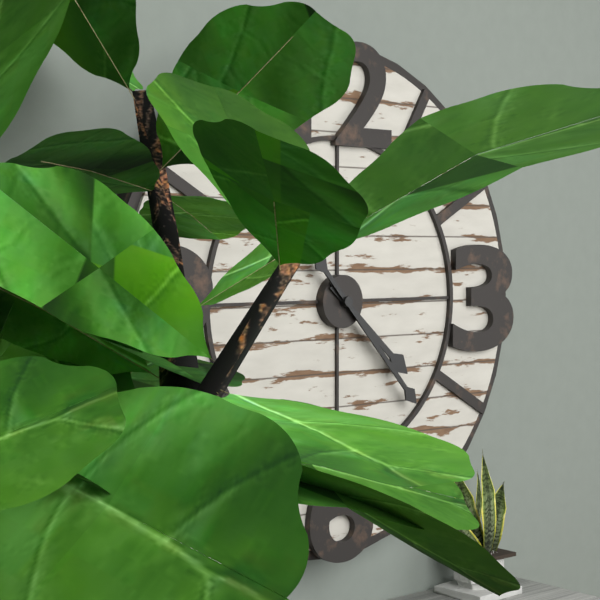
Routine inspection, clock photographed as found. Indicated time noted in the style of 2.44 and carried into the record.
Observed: 4.23
